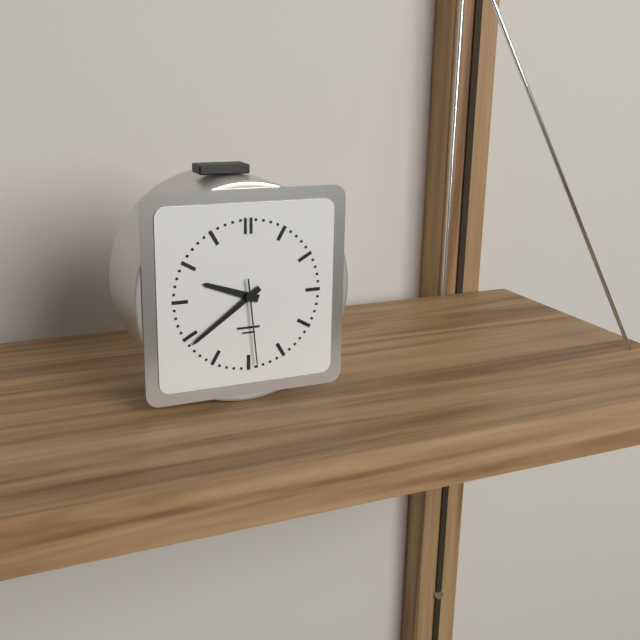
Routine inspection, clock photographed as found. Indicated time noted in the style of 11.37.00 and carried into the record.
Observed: 9.39.29
